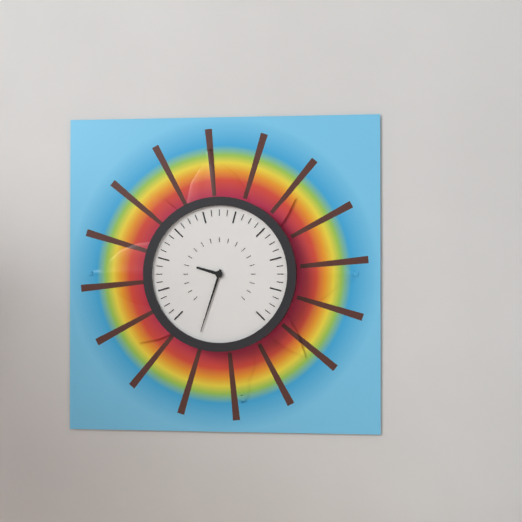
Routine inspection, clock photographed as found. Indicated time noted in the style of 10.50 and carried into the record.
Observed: 9.33
